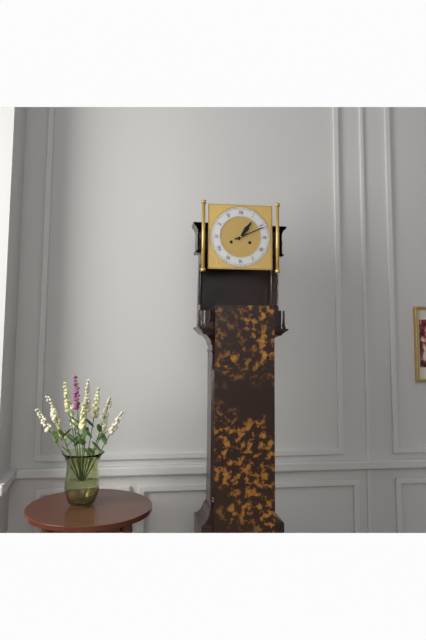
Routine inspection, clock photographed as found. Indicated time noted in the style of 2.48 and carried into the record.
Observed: 1.11
